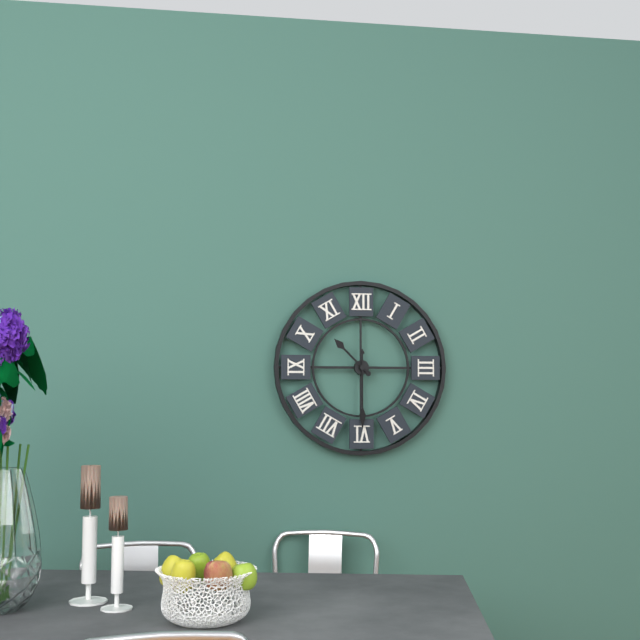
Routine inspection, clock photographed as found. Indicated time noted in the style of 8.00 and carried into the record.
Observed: 10.30
